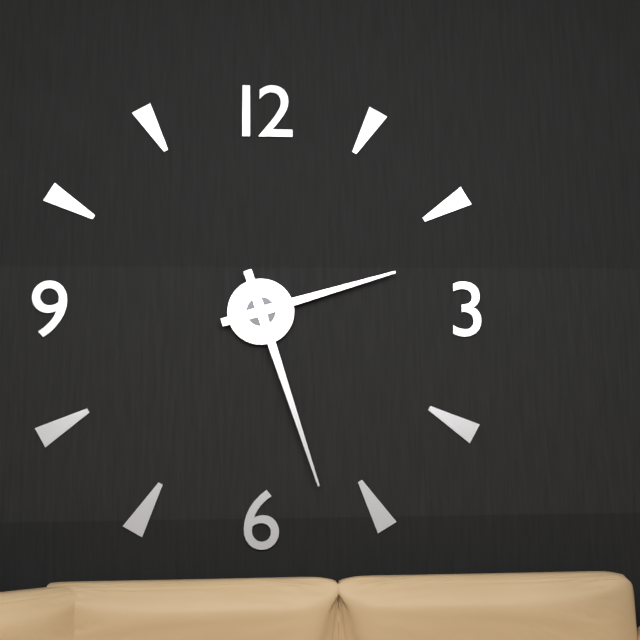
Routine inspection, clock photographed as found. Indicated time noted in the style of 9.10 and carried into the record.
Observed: 2.27
